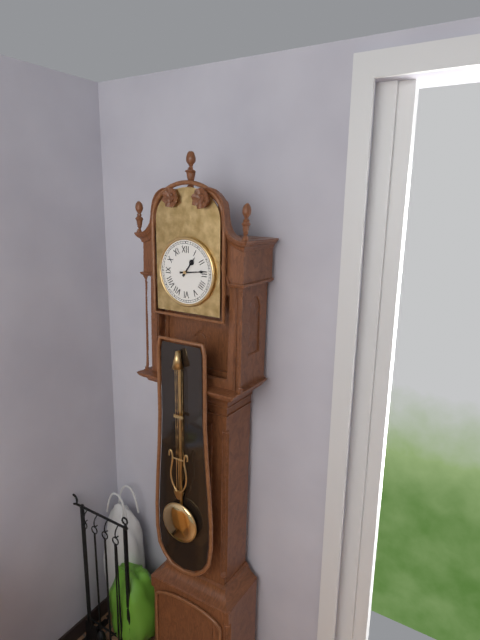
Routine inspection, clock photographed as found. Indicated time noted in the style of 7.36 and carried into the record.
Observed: 1.14
